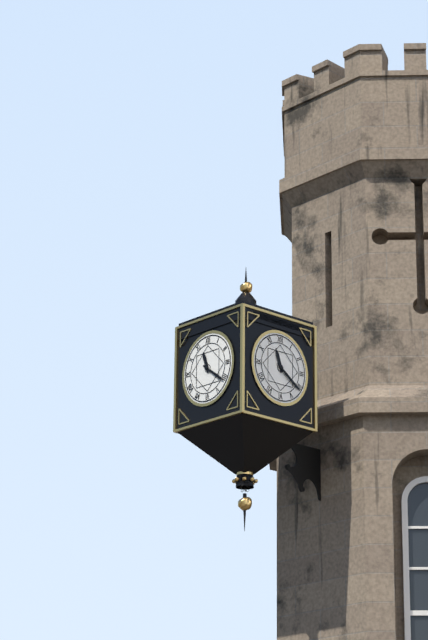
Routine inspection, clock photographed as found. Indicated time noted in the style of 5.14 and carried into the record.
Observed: 11.21
